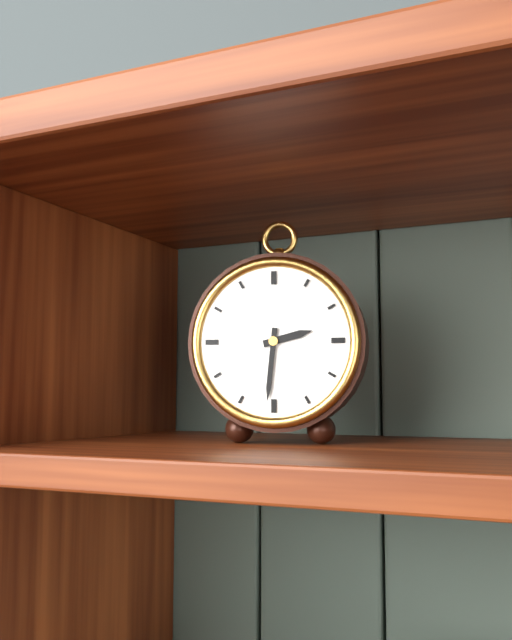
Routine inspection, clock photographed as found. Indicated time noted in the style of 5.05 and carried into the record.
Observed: 2.31
